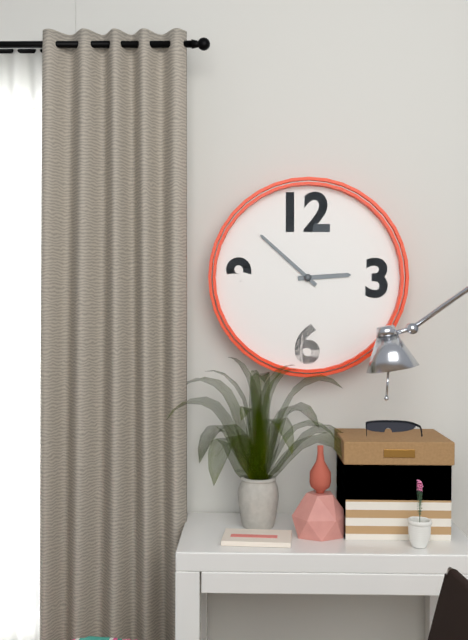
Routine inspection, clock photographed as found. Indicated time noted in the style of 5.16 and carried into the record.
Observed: 2.52
